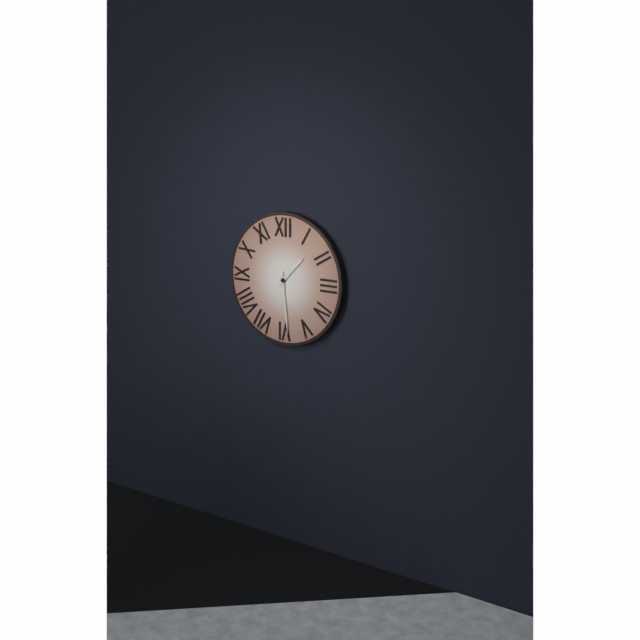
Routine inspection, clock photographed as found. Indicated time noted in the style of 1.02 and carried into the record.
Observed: 1.29
